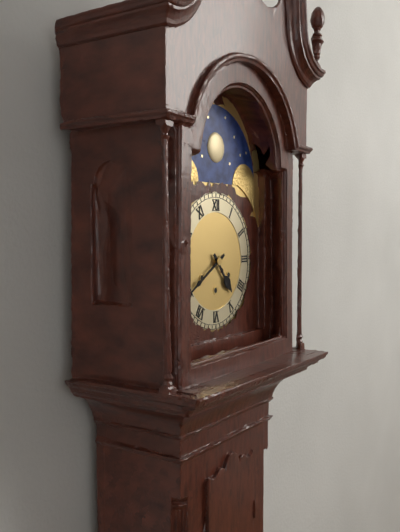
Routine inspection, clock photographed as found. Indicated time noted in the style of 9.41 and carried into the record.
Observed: 4.40
